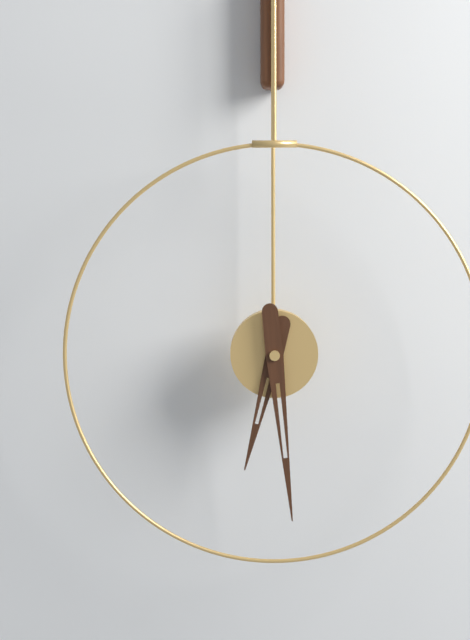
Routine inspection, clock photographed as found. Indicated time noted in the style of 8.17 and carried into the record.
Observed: 6.29
